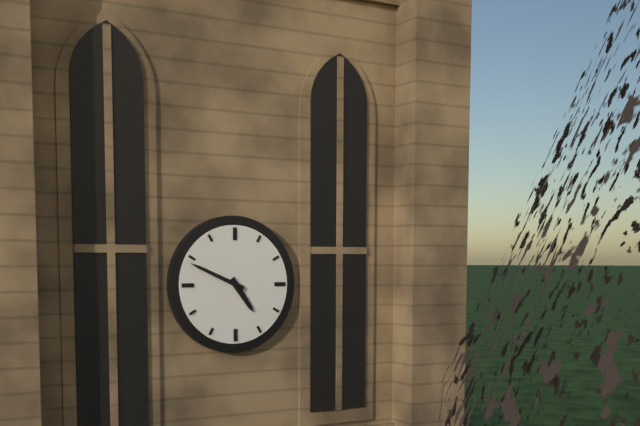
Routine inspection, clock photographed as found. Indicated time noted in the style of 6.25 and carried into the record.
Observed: 4.49
